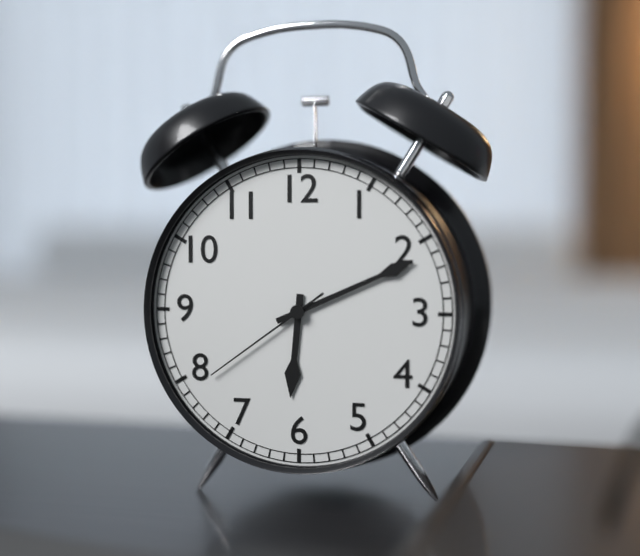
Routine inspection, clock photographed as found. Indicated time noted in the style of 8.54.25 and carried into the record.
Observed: 6.11.39
